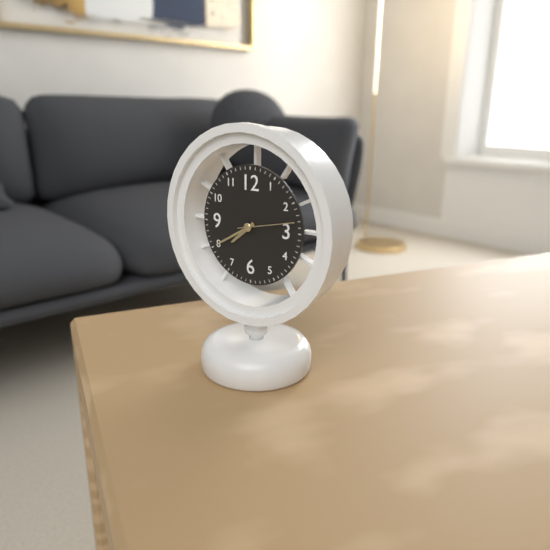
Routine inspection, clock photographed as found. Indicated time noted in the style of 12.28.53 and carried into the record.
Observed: 7.40.13
